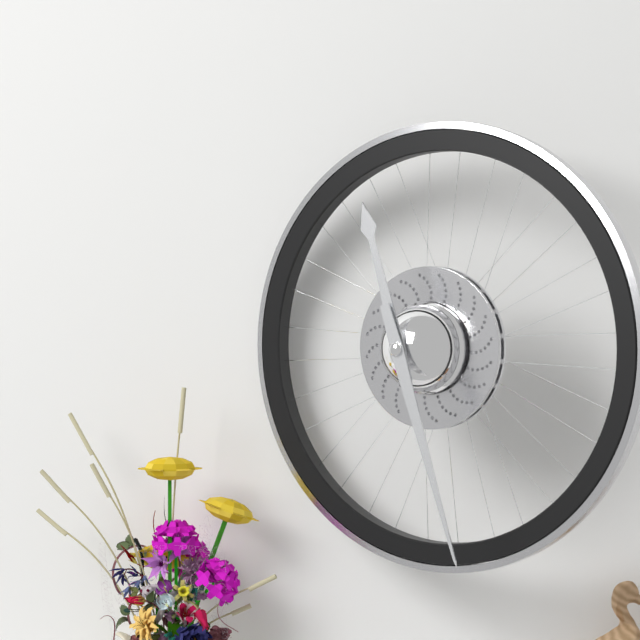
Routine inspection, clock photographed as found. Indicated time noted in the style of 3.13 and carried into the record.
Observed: 11.27
